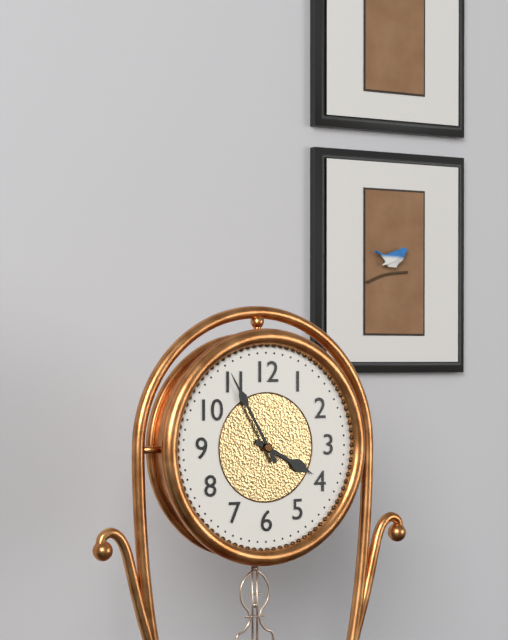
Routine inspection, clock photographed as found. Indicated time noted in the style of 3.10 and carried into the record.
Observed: 3.55
